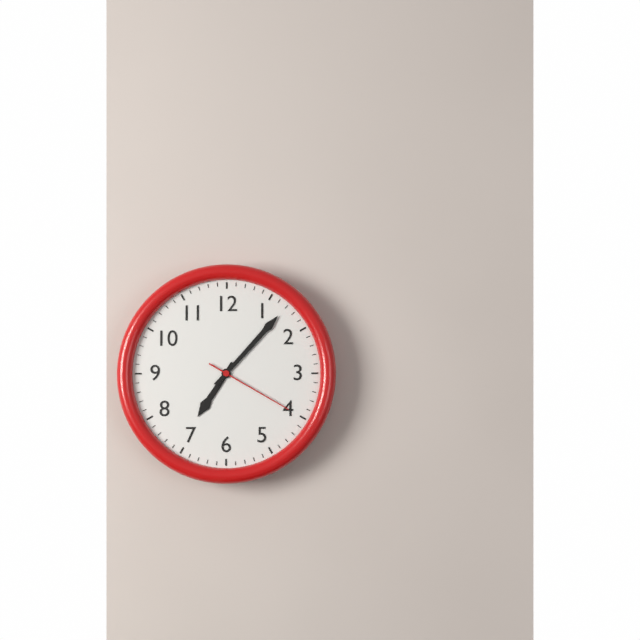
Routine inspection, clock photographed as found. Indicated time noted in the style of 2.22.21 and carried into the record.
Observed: 7.07.20
